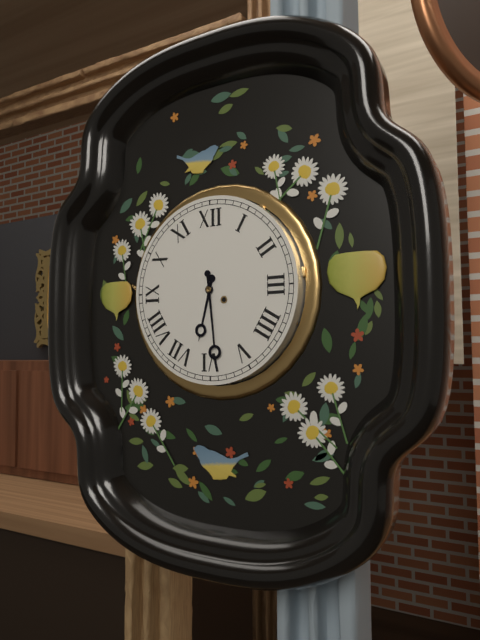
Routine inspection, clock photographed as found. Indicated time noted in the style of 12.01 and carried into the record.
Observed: 6.29
